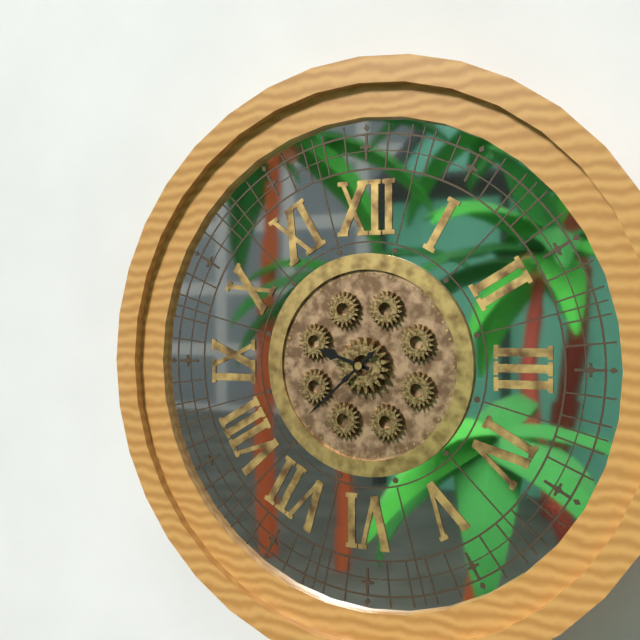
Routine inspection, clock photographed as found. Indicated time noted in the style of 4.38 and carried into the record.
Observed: 9.38
